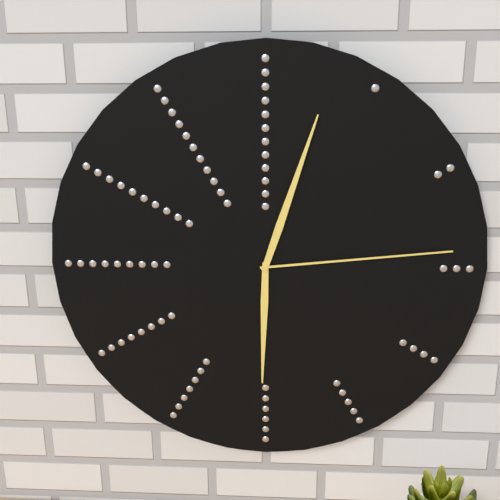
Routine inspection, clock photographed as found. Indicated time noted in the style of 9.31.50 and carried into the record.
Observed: 6.03.14
